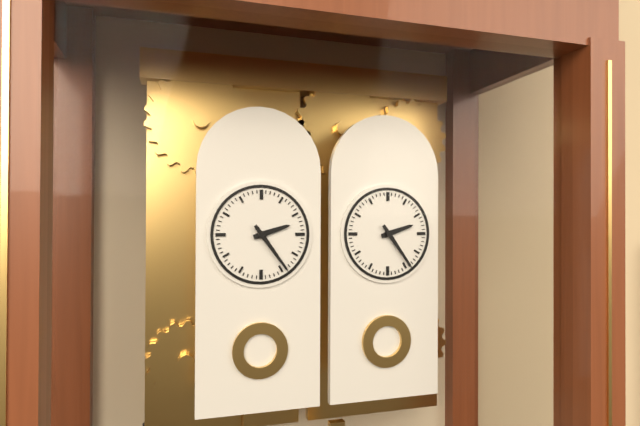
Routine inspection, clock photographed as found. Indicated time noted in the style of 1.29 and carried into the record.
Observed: 2.24
